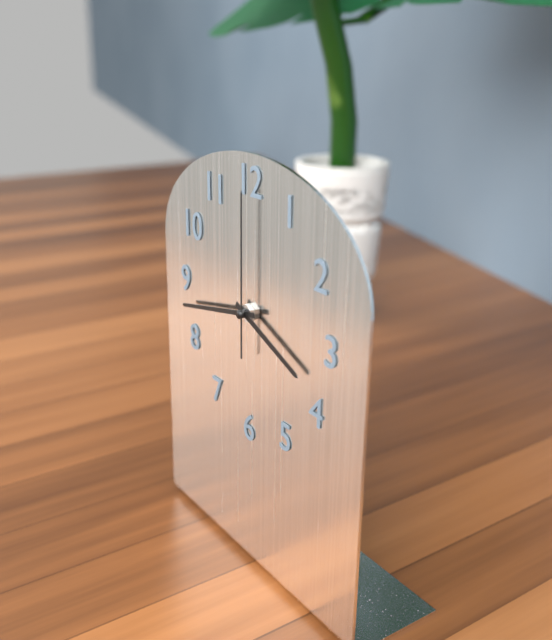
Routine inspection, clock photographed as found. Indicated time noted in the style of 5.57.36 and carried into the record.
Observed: 3.43.00
